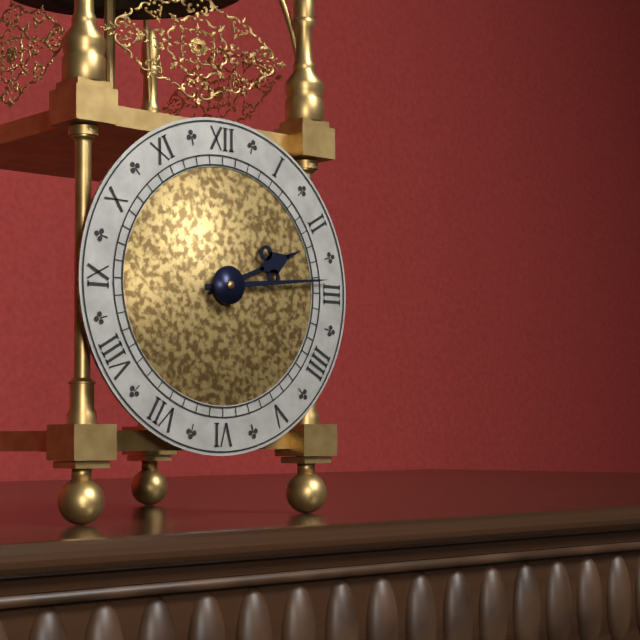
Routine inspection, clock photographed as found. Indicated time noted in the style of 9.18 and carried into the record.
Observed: 2.14
